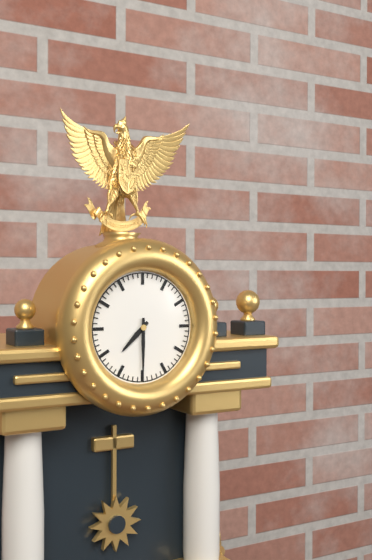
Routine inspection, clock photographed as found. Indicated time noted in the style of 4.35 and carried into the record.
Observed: 7.30
